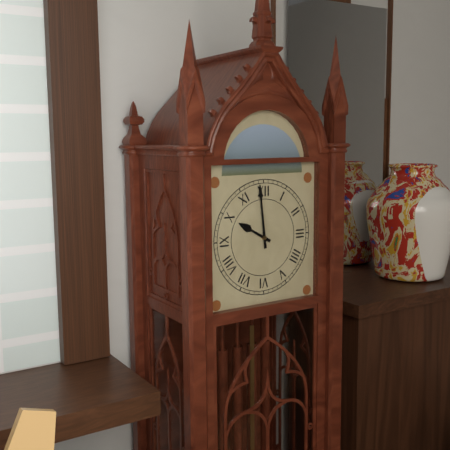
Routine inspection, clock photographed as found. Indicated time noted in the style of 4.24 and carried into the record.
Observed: 9.59
